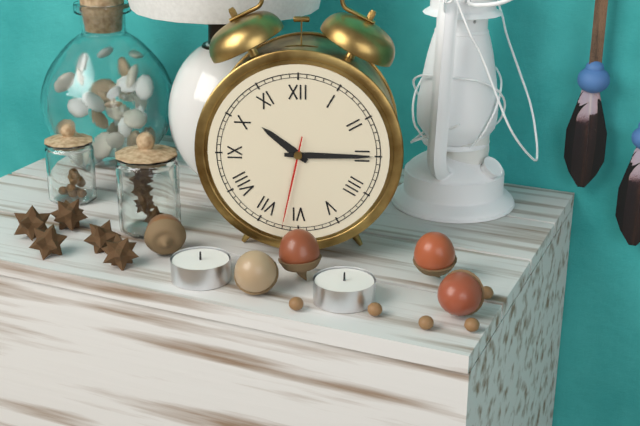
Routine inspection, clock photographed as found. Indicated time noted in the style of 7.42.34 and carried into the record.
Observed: 10.15.32
